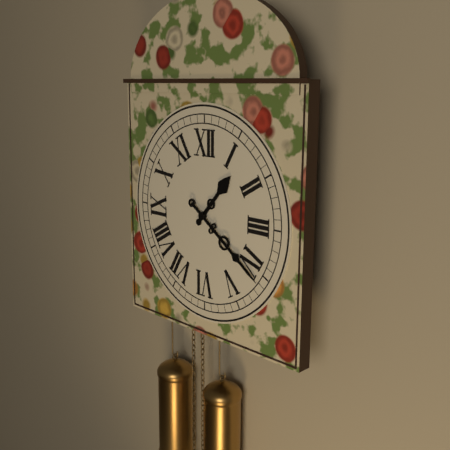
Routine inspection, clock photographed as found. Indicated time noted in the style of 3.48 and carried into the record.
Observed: 1.21
